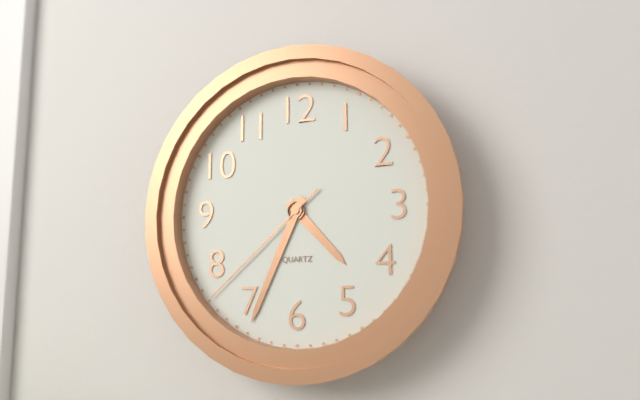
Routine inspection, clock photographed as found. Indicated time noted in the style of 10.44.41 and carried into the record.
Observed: 4.34.38
